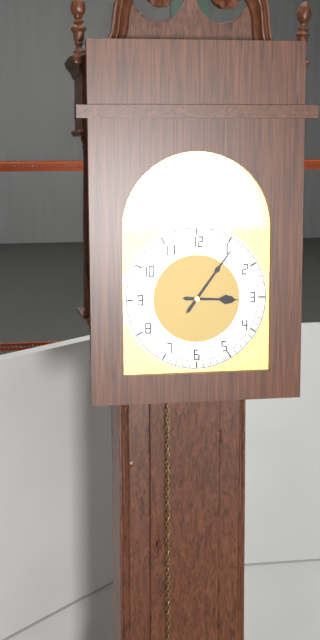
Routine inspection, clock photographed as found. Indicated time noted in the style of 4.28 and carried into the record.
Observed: 3.06
